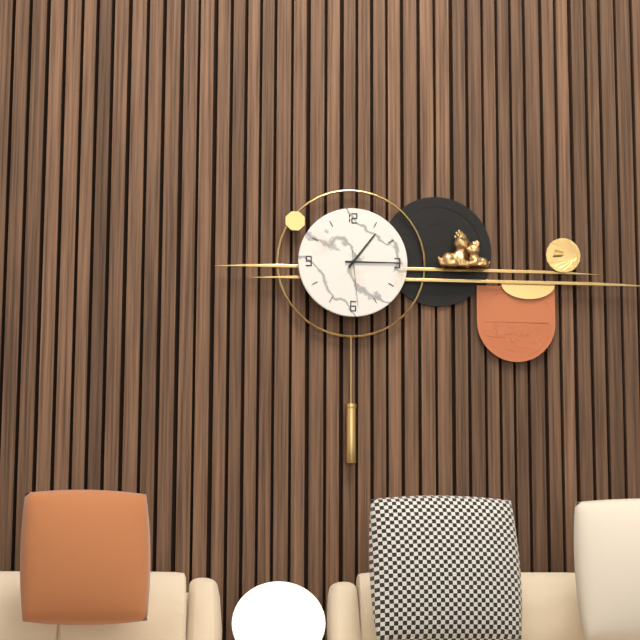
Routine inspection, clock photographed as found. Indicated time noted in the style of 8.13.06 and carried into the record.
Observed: 1.15.29
